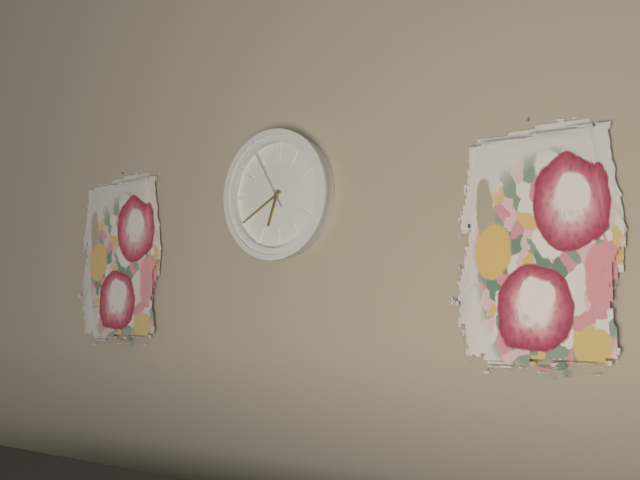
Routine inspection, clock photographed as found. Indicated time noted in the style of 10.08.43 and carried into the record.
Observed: 6.40.55
